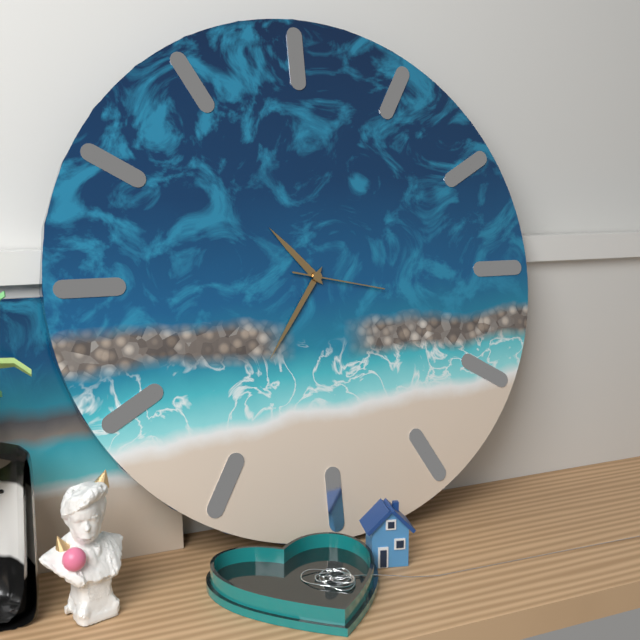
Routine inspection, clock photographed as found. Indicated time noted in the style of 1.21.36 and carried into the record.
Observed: 10.36.17
